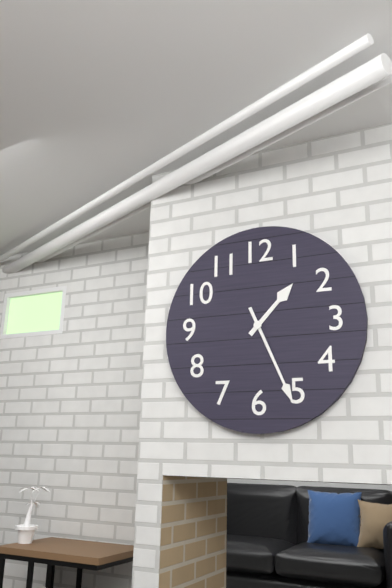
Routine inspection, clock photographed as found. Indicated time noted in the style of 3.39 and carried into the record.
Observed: 1.26
